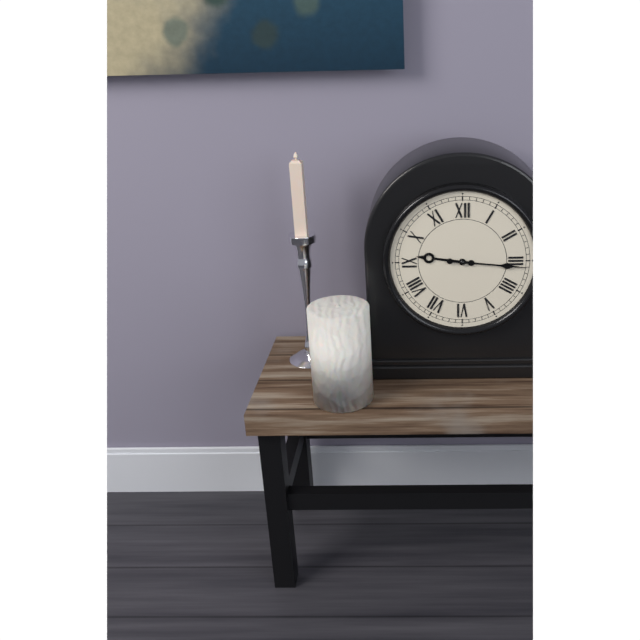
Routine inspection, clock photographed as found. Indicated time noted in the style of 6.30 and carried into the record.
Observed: 9.16
